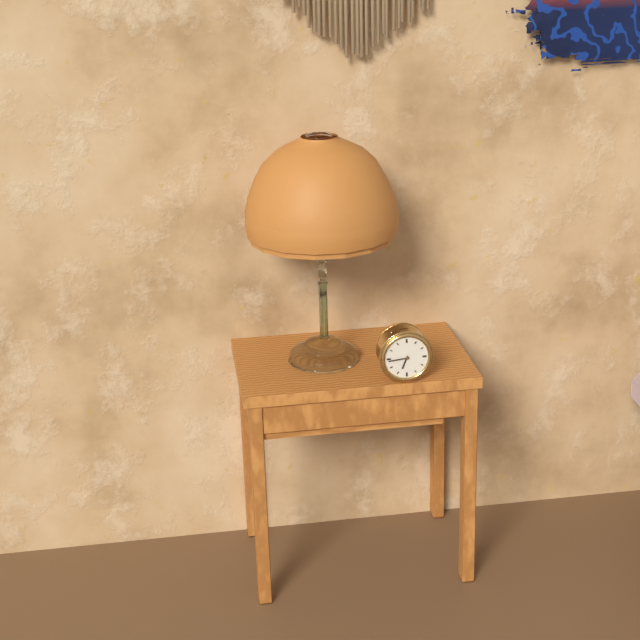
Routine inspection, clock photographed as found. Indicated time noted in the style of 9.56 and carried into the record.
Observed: 6.44
